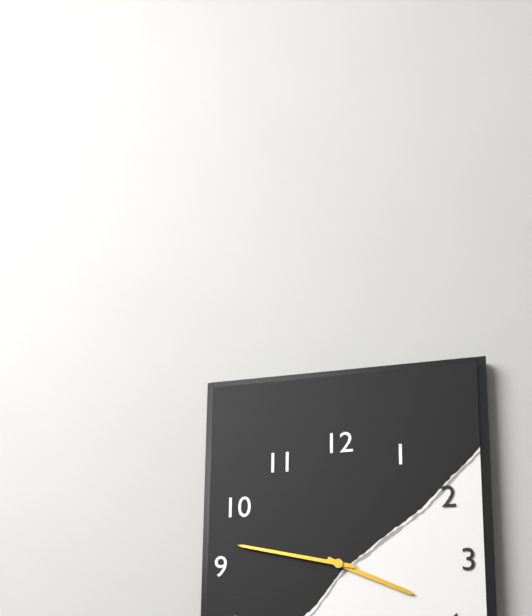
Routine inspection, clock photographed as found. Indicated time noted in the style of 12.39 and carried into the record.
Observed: 3.47
